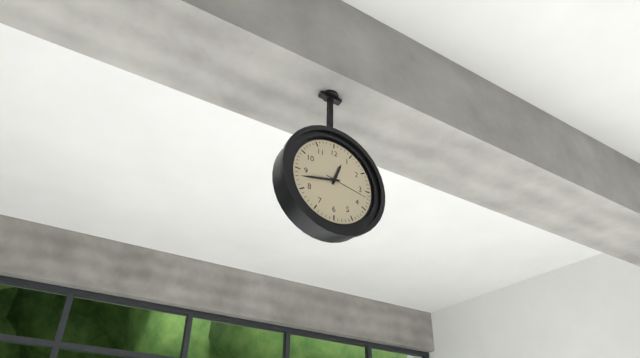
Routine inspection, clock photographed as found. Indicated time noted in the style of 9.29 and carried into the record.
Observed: 12.43
